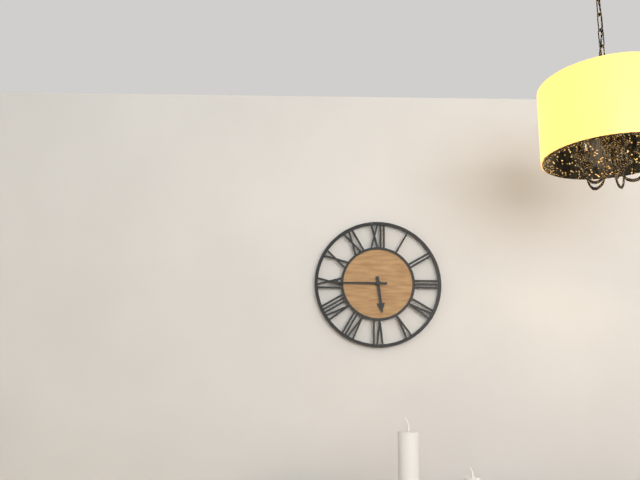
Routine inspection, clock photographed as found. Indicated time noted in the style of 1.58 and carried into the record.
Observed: 5.45
